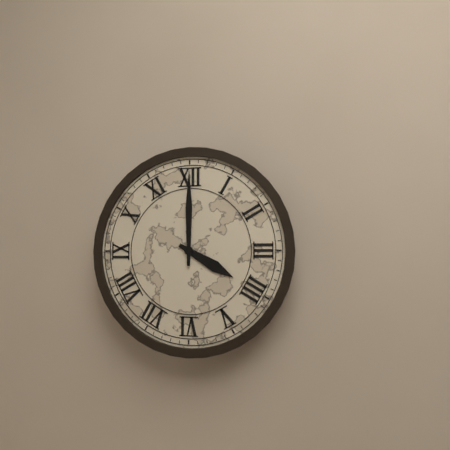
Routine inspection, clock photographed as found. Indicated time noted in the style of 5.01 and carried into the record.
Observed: 4.00
